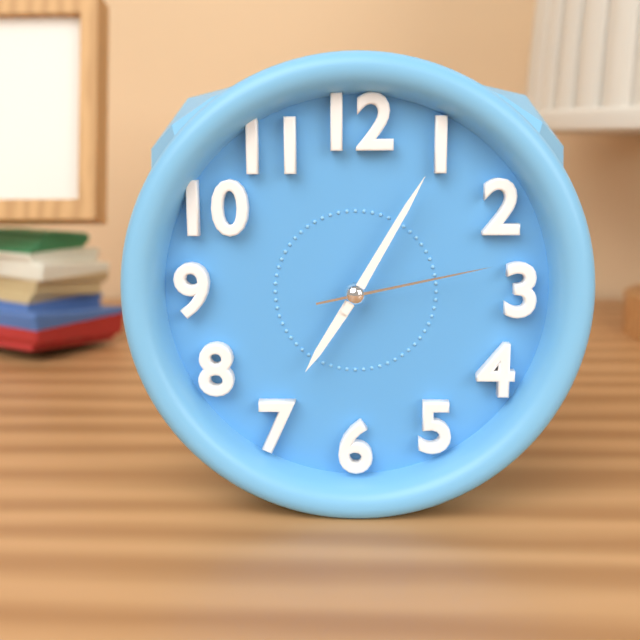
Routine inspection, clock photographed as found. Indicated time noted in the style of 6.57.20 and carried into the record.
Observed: 7.05.13
